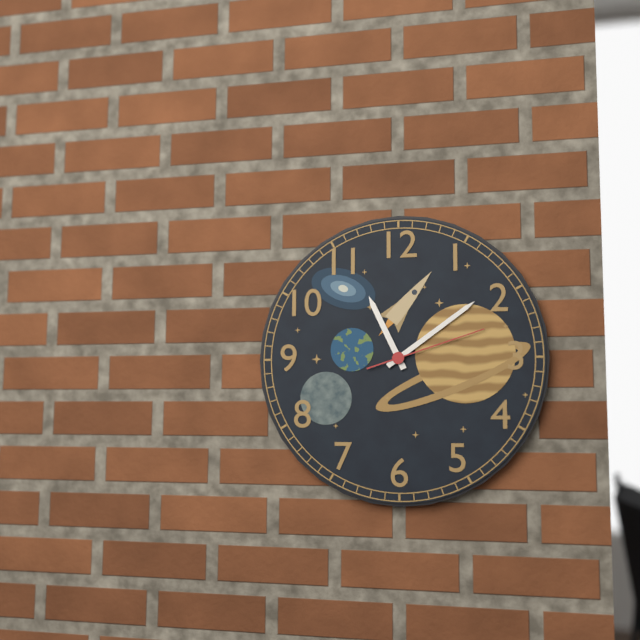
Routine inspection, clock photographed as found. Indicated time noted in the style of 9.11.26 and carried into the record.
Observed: 11.09.12
